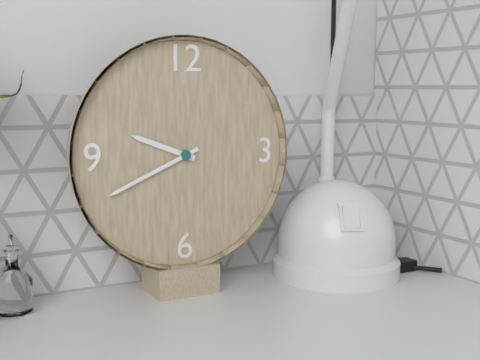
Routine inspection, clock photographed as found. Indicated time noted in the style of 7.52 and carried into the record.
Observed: 9.41
